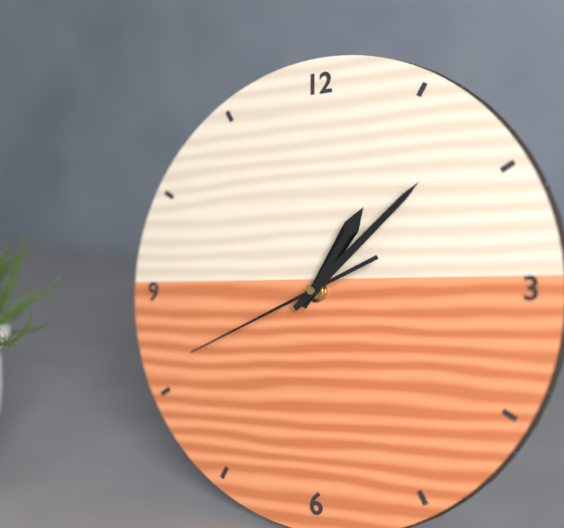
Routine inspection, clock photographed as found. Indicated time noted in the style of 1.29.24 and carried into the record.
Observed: 1.08.41
